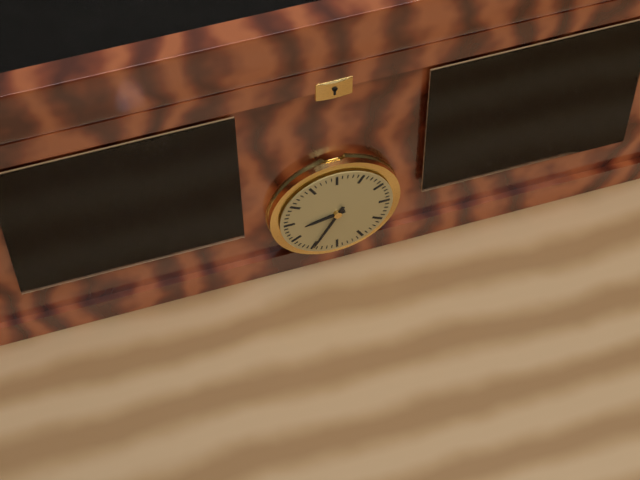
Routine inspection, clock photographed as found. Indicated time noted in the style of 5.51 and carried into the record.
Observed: 8.35
